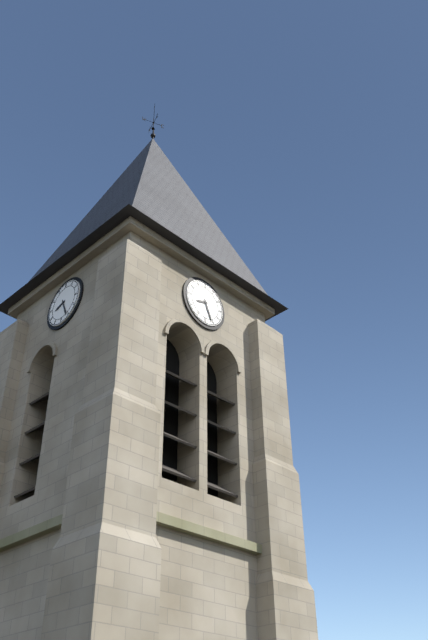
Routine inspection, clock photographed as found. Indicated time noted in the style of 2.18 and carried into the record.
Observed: 8.26
